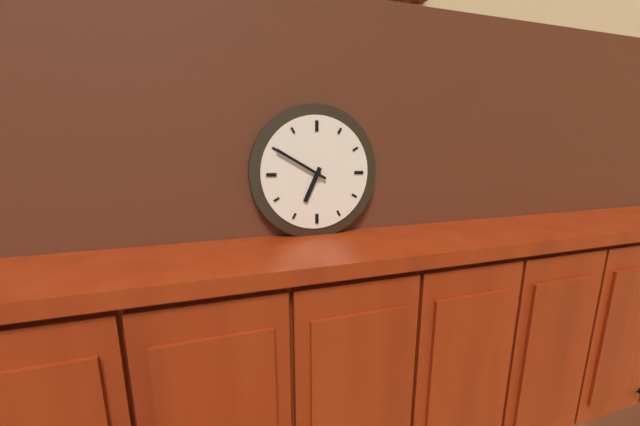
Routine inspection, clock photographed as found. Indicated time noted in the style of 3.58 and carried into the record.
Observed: 6.50
